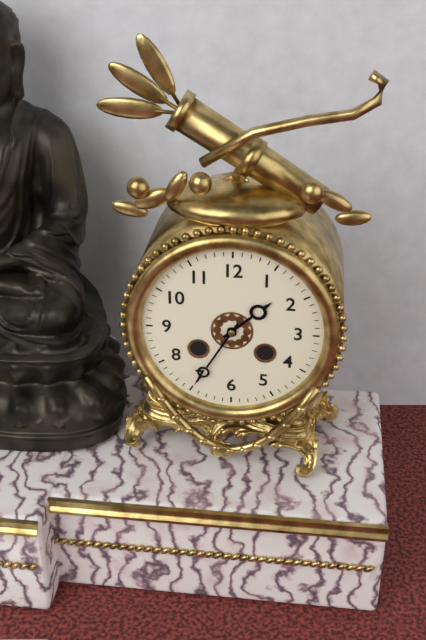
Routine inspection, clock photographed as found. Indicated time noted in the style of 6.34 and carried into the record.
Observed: 1.35
